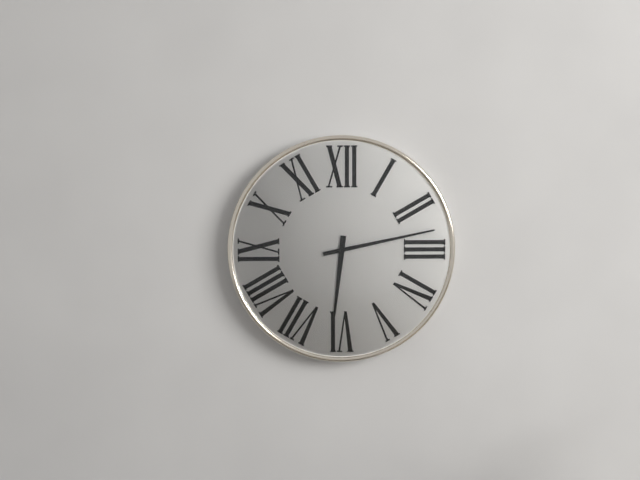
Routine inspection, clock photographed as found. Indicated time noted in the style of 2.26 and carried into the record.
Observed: 6.13
